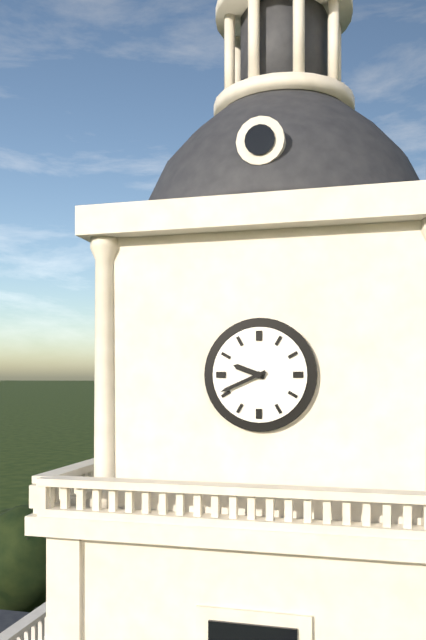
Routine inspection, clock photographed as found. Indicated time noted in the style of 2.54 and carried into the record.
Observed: 9.41
